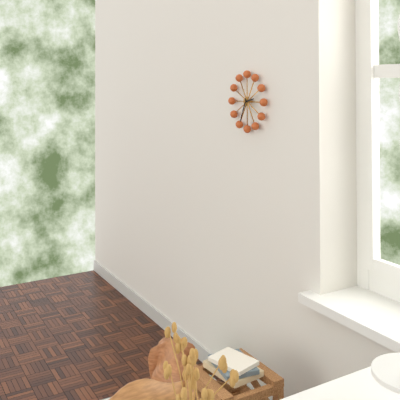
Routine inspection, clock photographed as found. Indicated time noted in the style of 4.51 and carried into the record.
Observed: 2.34
